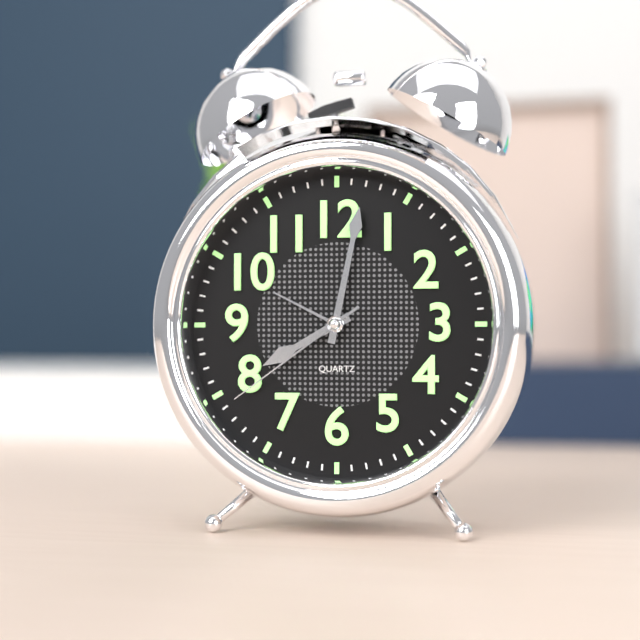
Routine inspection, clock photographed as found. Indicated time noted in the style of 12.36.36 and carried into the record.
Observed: 8.02.39
